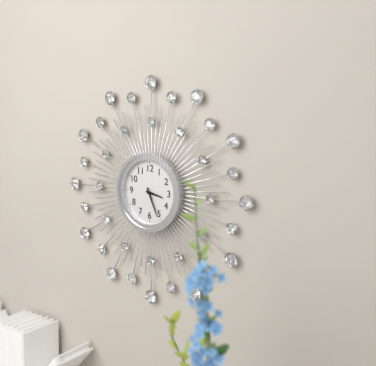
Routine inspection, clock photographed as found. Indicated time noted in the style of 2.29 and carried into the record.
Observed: 3.26
